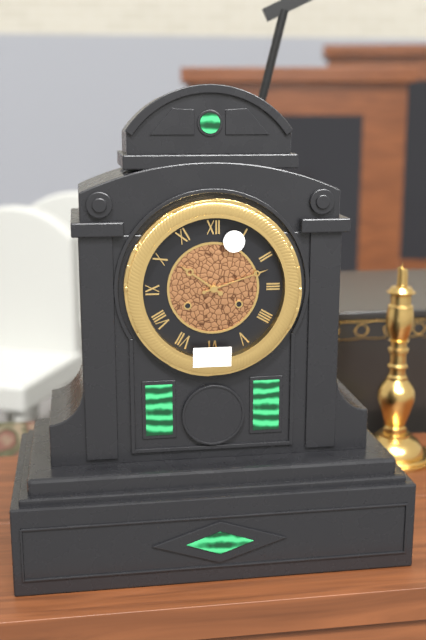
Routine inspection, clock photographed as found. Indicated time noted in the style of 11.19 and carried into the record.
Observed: 10.12
